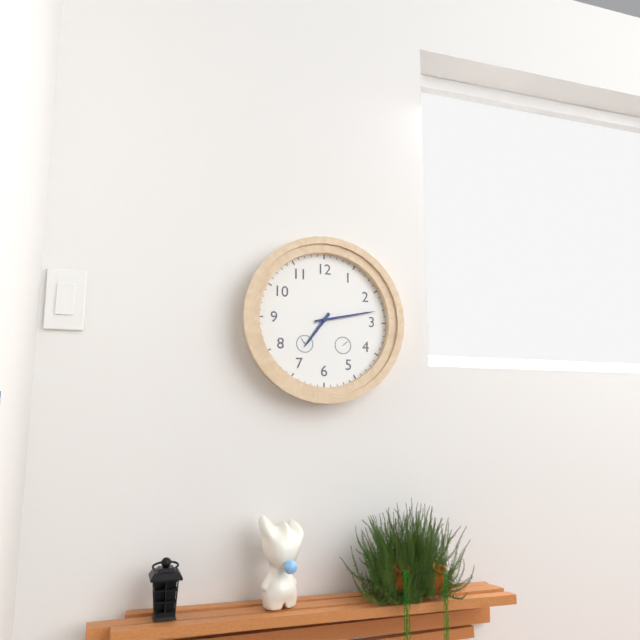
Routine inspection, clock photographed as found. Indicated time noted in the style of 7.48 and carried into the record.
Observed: 7.13
